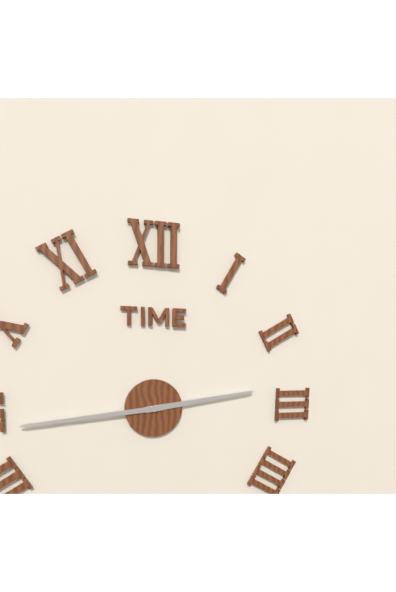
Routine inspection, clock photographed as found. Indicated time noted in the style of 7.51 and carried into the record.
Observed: 2.44
